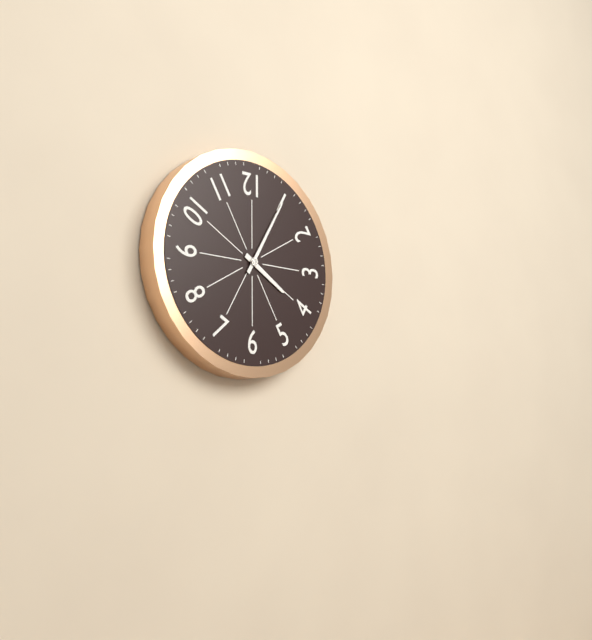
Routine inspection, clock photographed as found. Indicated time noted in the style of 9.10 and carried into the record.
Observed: 4.05
